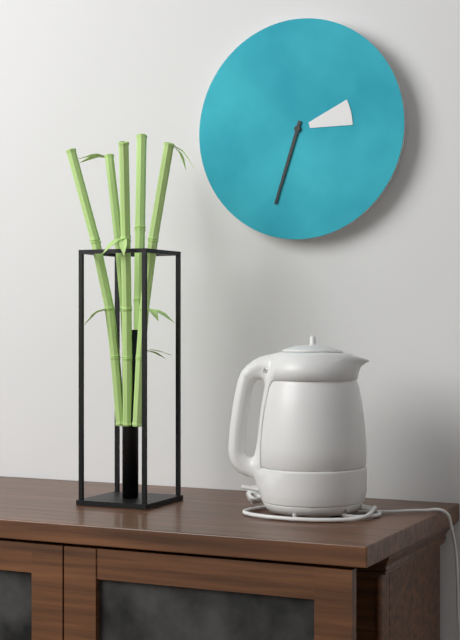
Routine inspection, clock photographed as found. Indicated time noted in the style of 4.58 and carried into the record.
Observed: 2.33
